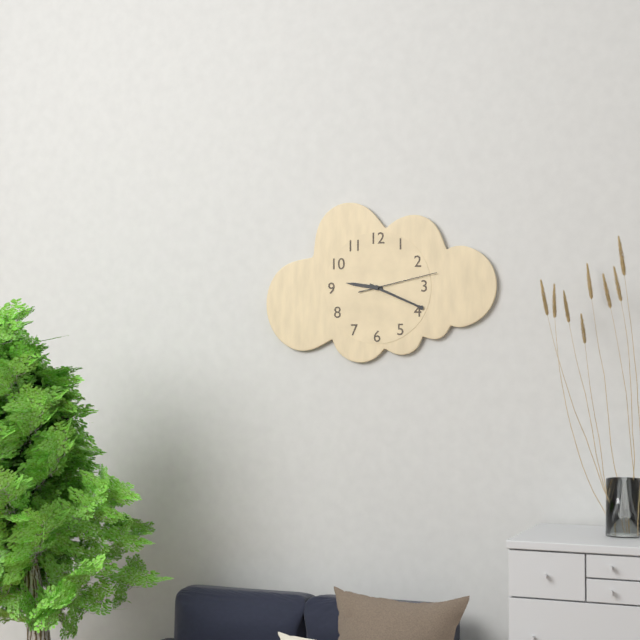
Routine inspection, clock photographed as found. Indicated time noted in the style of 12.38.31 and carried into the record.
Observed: 9.19.13
